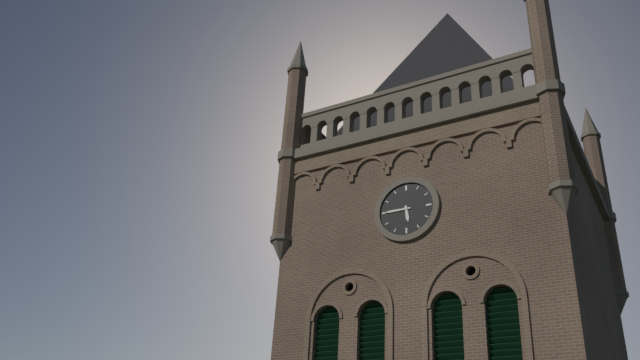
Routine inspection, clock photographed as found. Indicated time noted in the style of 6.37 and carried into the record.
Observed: 5.45
